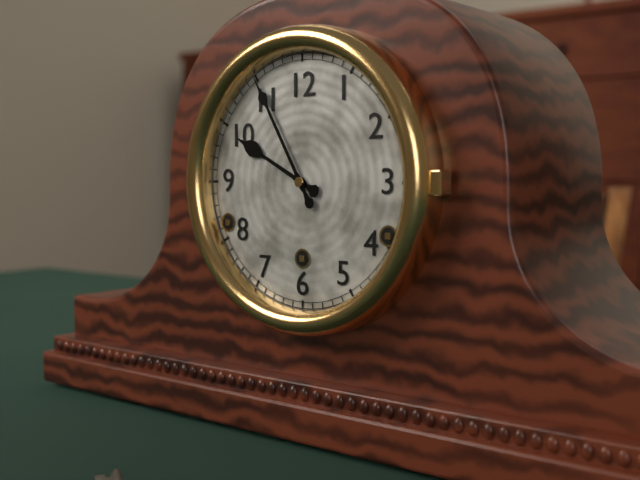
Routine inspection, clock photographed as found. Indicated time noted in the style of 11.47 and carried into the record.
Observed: 9.55
